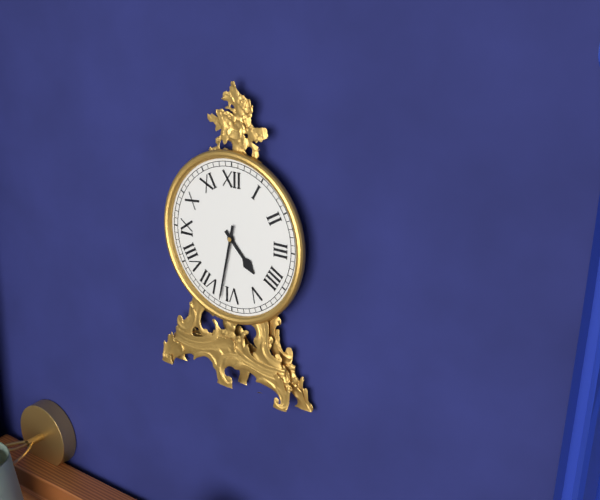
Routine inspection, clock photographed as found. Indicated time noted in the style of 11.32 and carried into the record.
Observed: 4.32
